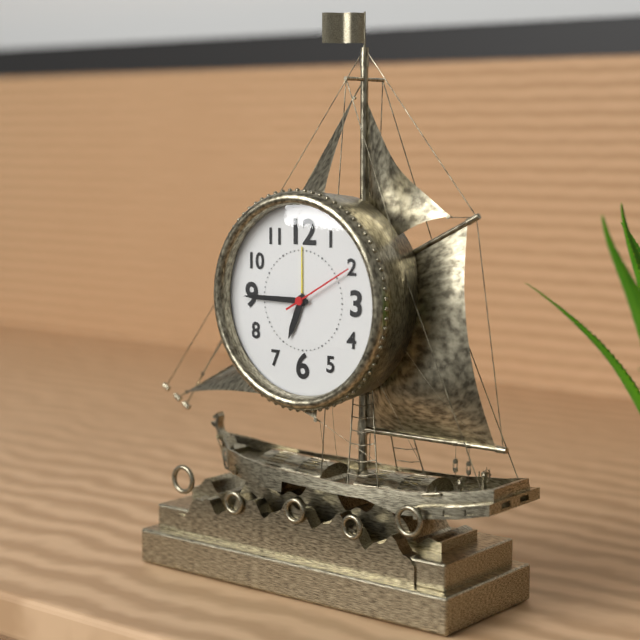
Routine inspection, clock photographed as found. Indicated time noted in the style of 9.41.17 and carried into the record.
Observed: 6.45.10
